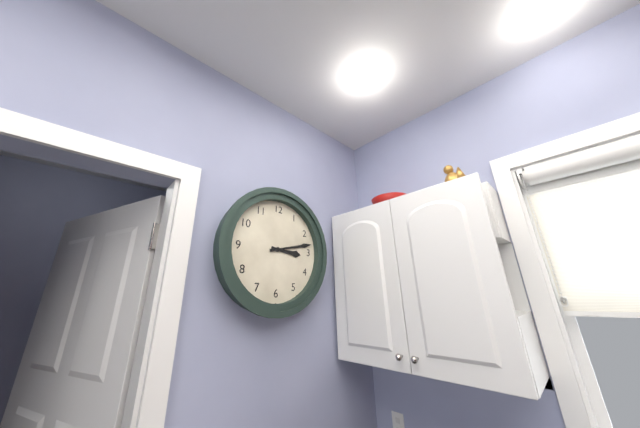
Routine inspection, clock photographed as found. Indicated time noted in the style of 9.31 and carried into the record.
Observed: 3.13
